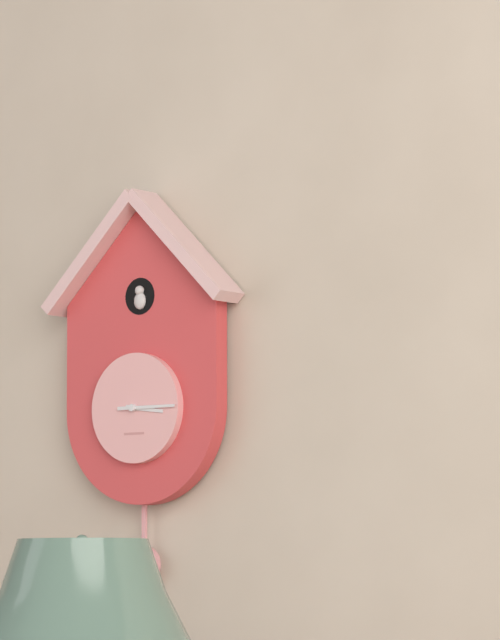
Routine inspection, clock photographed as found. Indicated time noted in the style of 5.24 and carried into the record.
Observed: 3.15
